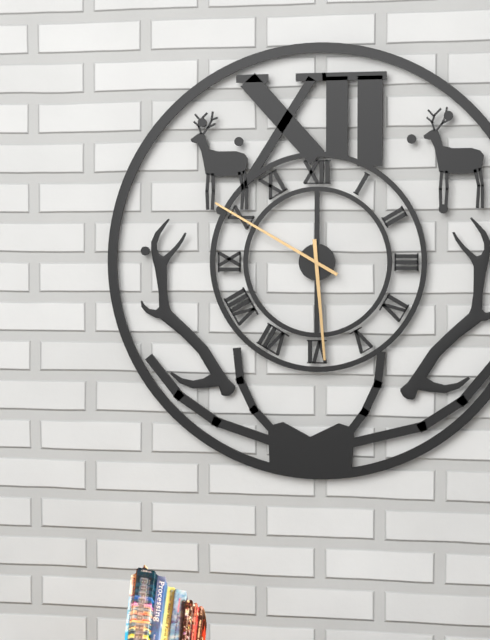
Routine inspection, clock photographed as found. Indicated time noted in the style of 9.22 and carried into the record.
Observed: 5.50
